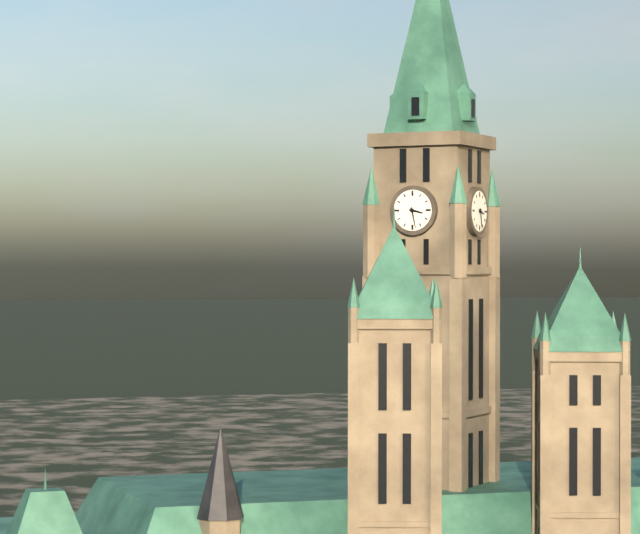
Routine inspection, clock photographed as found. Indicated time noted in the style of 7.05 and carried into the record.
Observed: 3.28
